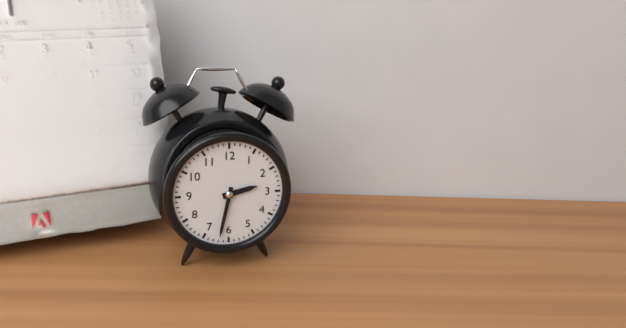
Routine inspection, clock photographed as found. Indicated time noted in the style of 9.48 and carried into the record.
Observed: 2.32
